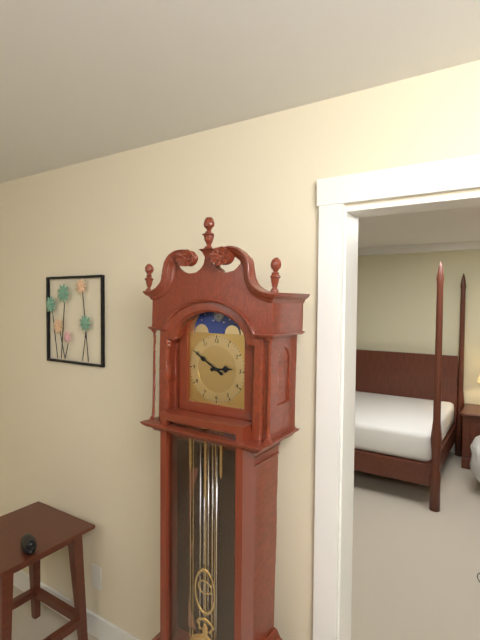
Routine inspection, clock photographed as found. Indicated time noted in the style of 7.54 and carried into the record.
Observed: 2.50
